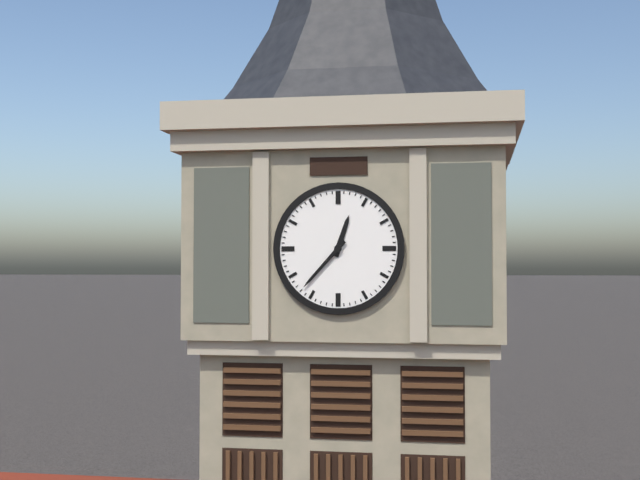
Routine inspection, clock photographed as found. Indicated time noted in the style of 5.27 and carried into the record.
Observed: 12.37
